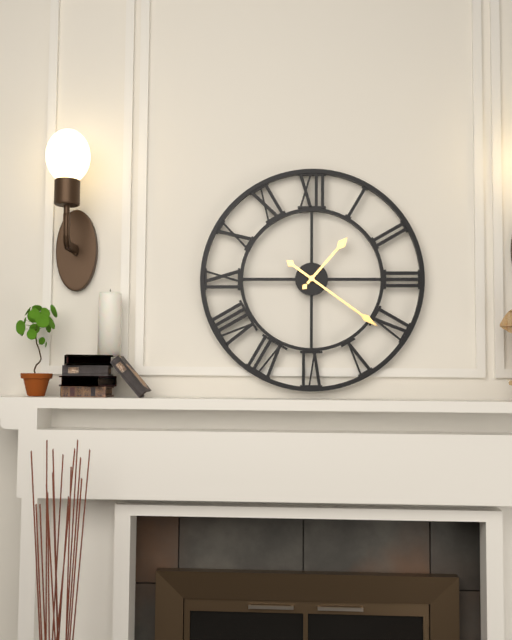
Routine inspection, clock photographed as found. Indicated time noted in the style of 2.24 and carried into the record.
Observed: 1.21
